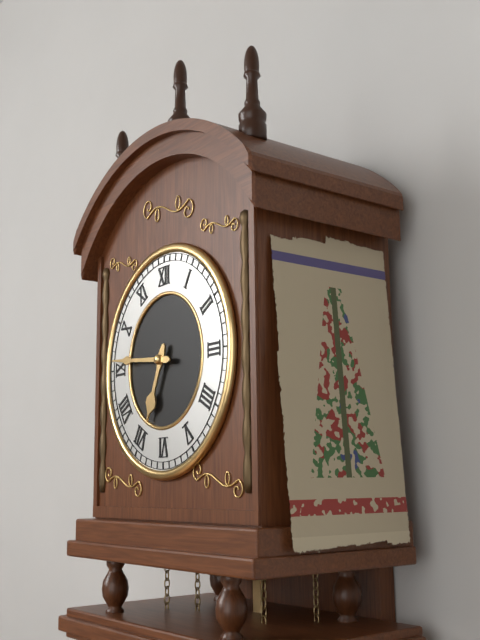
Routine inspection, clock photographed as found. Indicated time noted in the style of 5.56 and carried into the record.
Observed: 6.46
